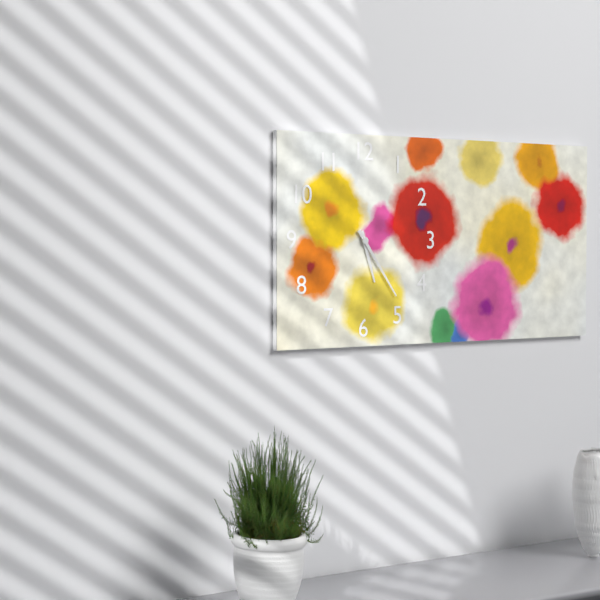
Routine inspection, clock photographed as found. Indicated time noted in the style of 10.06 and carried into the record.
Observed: 5.24
